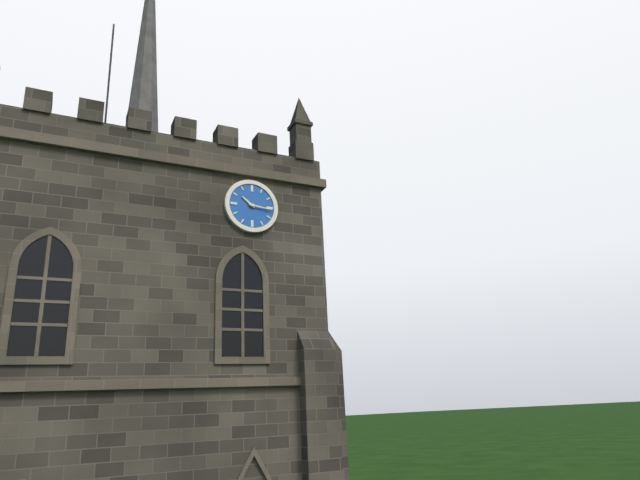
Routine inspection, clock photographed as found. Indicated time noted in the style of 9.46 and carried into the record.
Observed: 10.16
